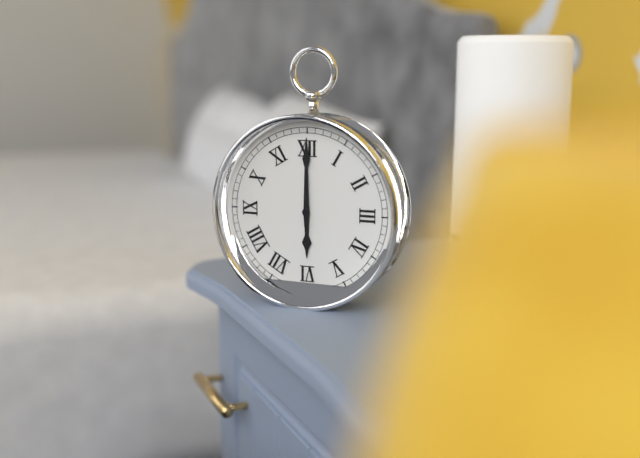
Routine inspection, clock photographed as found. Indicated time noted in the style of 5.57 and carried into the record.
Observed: 6.00
